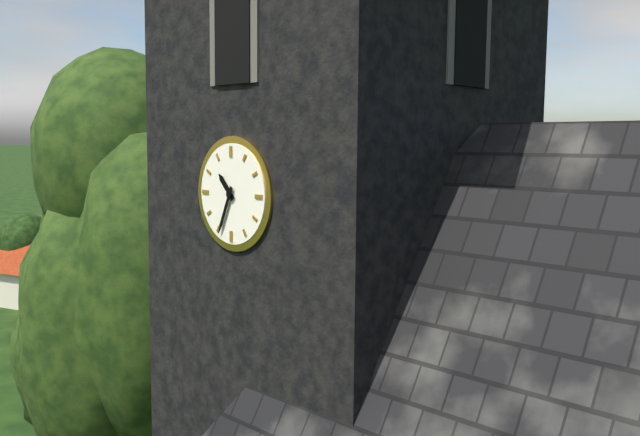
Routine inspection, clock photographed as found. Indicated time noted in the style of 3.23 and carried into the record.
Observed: 10.34
